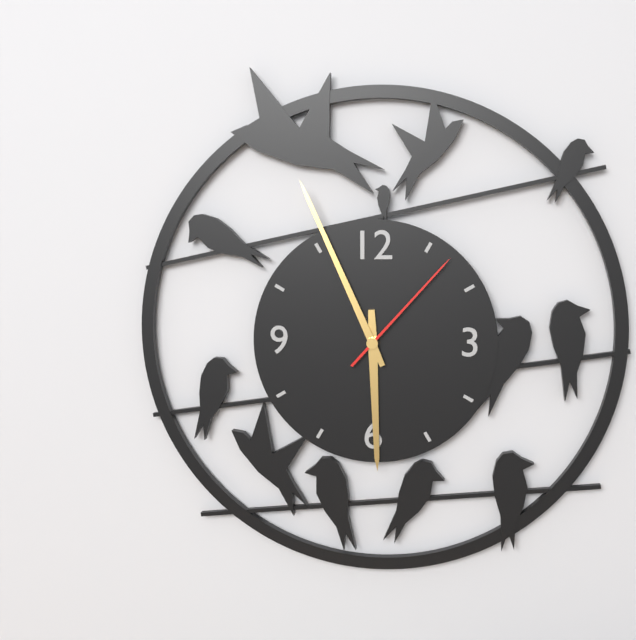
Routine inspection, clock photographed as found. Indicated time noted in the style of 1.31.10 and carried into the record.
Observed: 5.56.07
